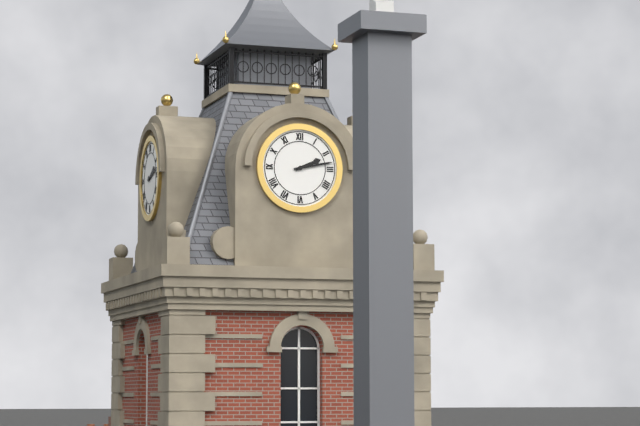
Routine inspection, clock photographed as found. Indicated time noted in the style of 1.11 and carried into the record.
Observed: 2.13
